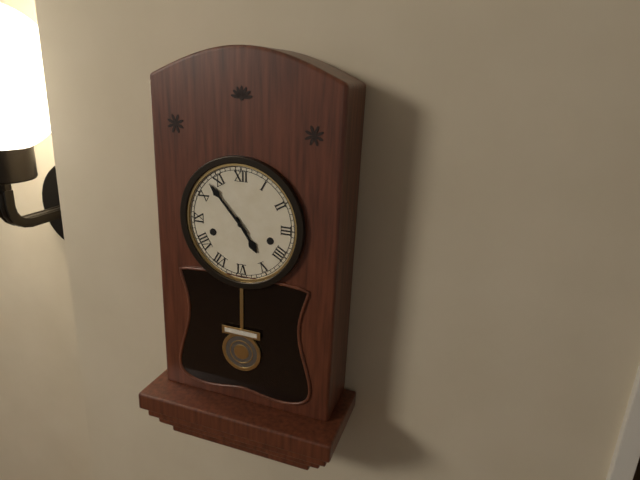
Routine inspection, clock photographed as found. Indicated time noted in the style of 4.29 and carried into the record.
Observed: 4.53
